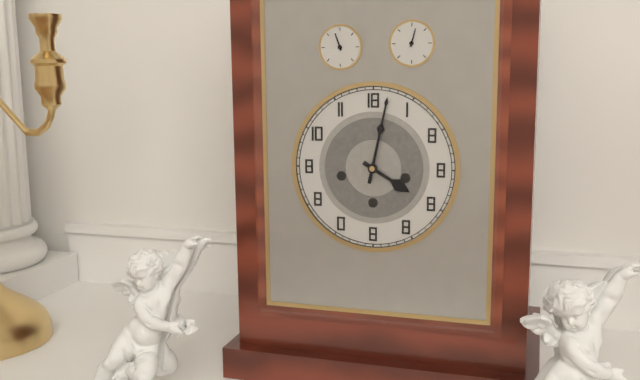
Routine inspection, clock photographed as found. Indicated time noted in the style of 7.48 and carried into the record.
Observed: 4.02
